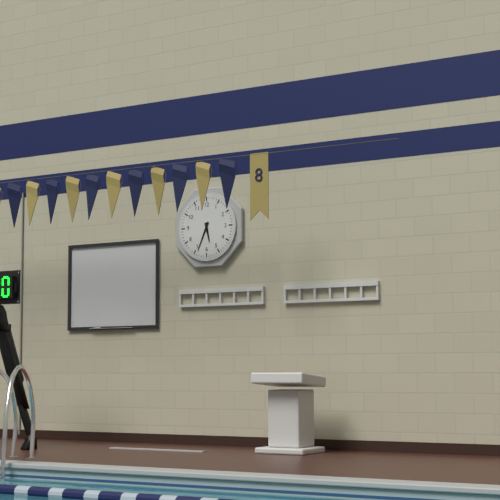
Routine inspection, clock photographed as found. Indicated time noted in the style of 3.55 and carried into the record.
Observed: 5.34
